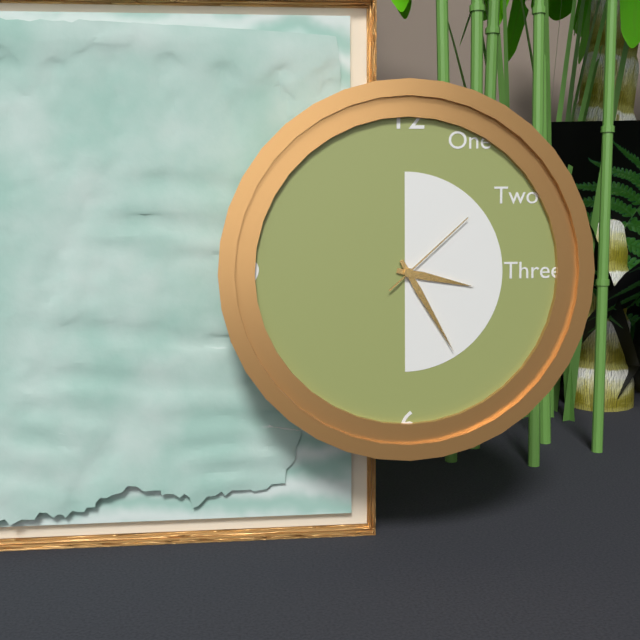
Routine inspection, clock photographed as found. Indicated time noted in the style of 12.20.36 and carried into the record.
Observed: 3.25.08
